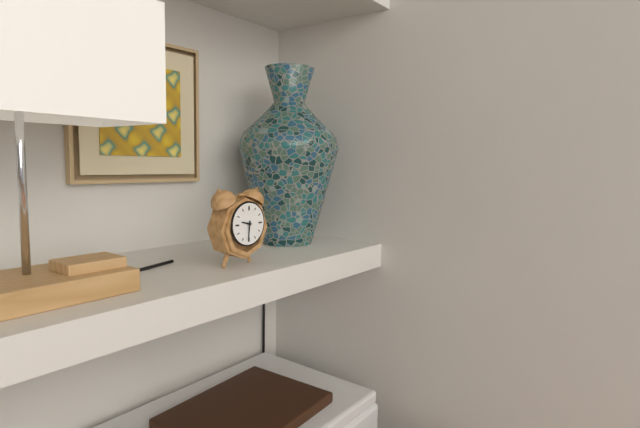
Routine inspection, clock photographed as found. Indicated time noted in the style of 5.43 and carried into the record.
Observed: 9.31
